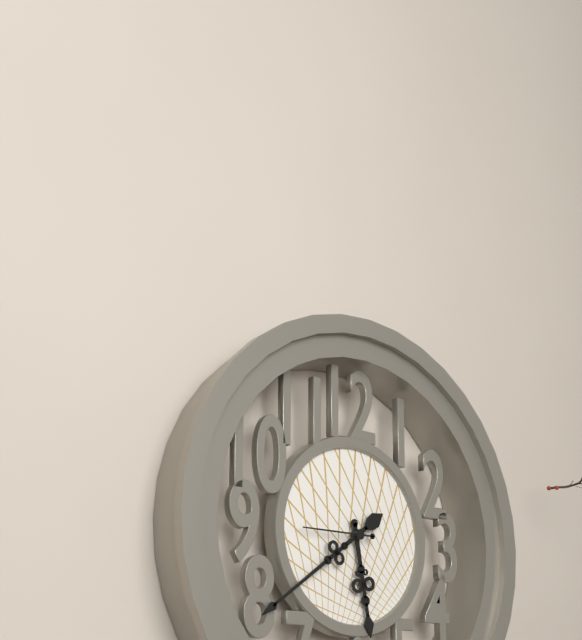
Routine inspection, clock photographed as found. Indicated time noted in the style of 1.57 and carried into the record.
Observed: 5.39
